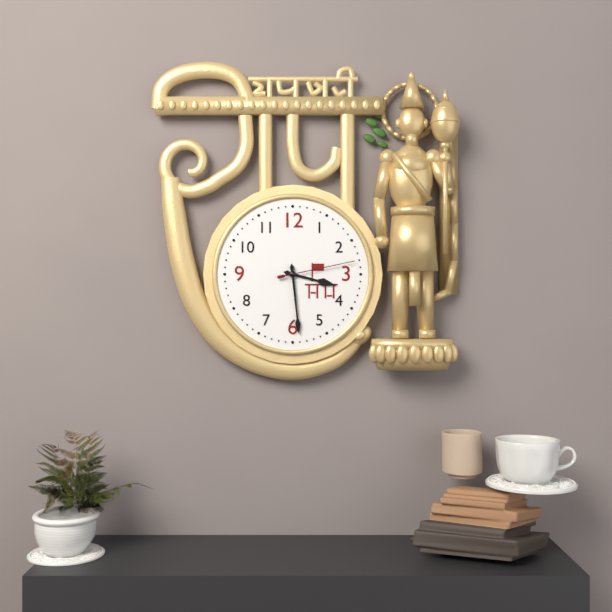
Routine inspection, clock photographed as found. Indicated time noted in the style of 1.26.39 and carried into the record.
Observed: 3.29.13
